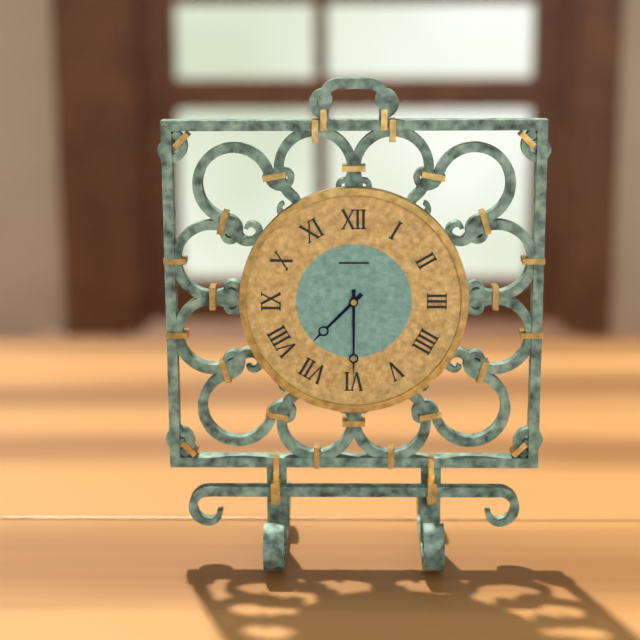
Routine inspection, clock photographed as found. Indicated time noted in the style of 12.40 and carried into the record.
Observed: 7.30
